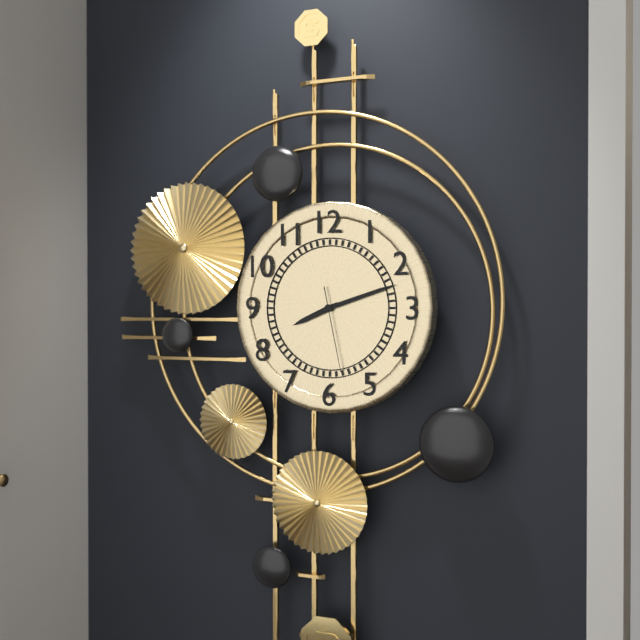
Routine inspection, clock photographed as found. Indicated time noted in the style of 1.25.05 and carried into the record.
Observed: 8.12.28
